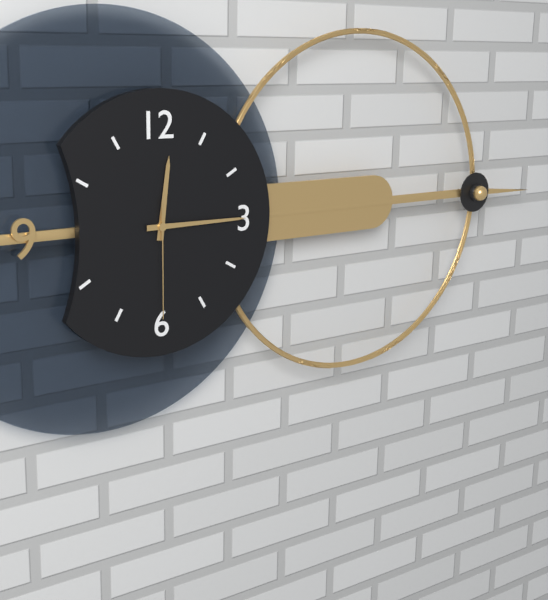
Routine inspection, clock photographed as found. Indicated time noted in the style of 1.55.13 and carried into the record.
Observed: 12.15.30
